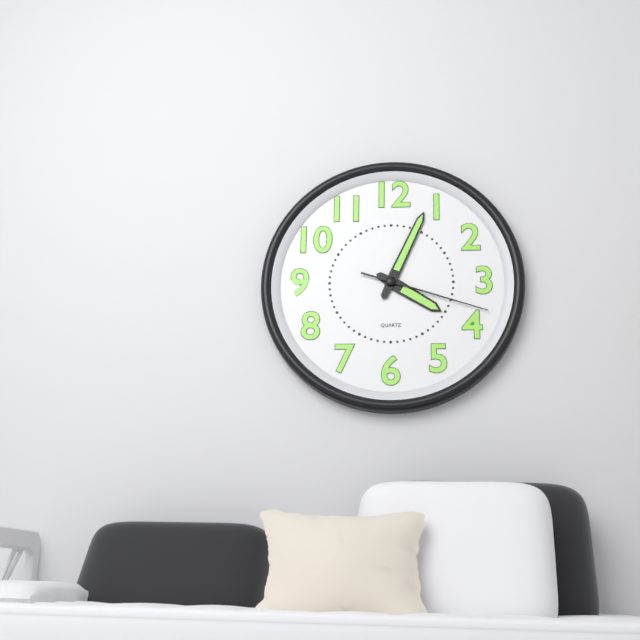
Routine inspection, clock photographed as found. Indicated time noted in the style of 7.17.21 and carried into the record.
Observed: 4.04.18
